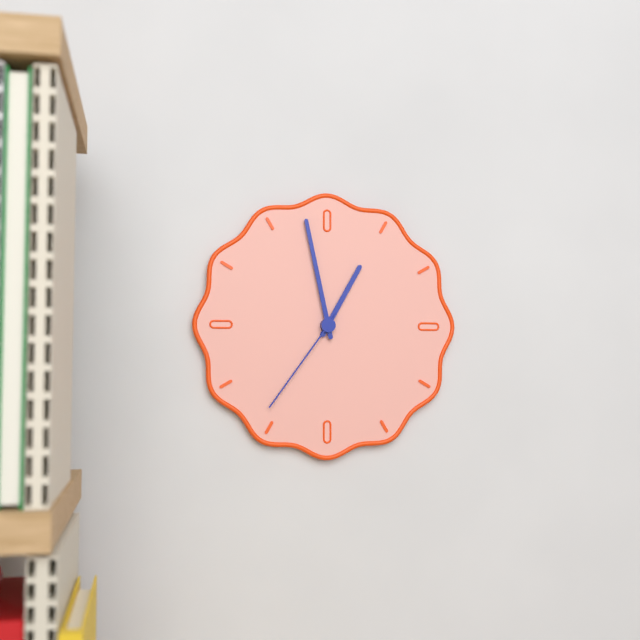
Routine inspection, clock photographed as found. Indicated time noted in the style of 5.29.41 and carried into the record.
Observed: 12.58.36
